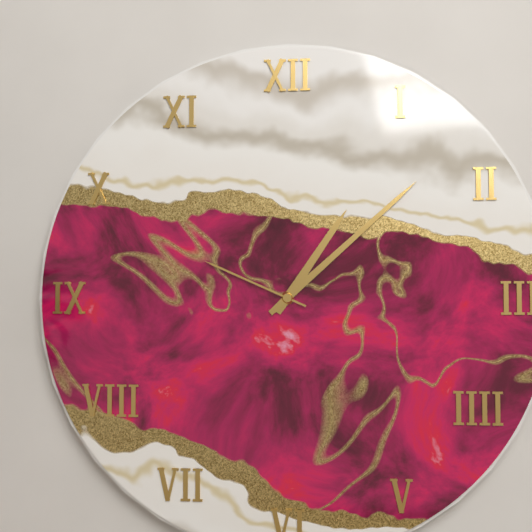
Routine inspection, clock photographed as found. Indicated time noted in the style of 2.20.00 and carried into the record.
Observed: 1.08.49
